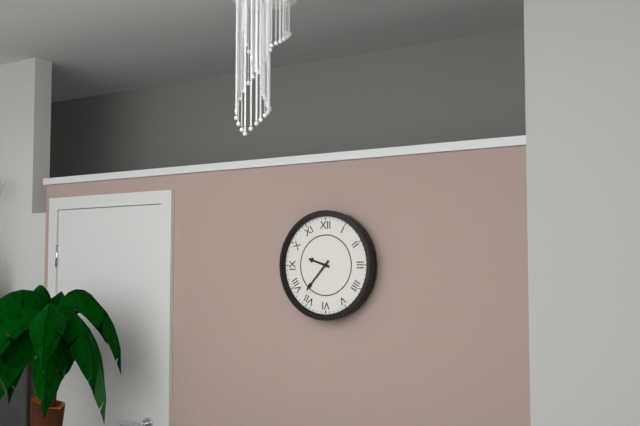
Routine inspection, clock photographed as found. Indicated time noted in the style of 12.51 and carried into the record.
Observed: 9.37
